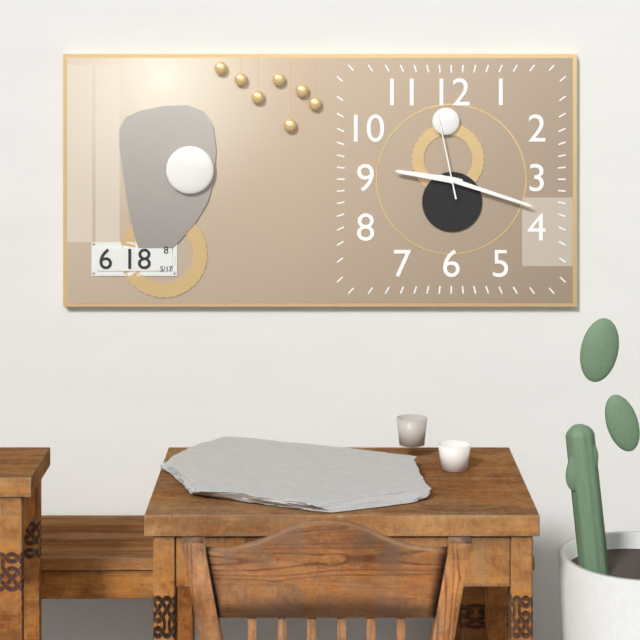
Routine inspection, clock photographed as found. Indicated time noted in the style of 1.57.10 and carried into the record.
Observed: 9.18.58
